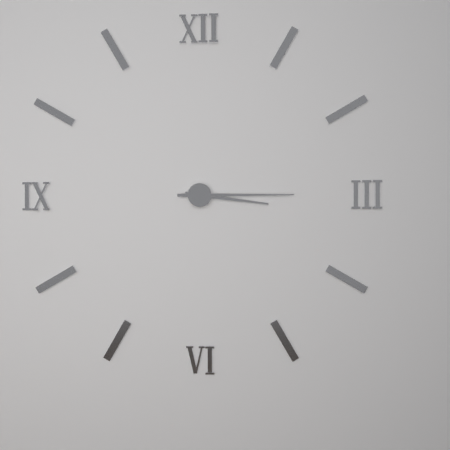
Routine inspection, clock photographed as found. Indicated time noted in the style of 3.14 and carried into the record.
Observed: 3.15
